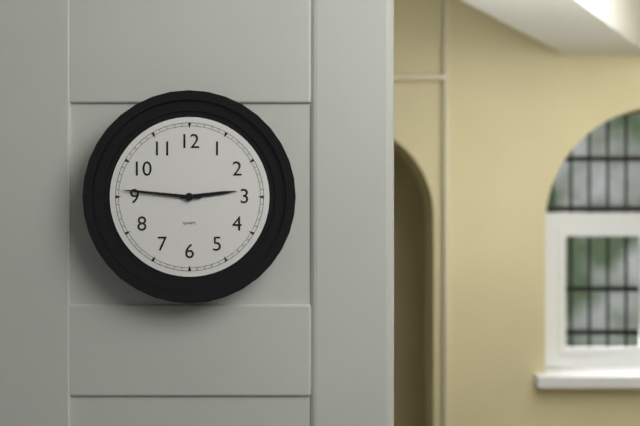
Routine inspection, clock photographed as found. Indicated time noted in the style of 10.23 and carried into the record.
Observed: 2.46
